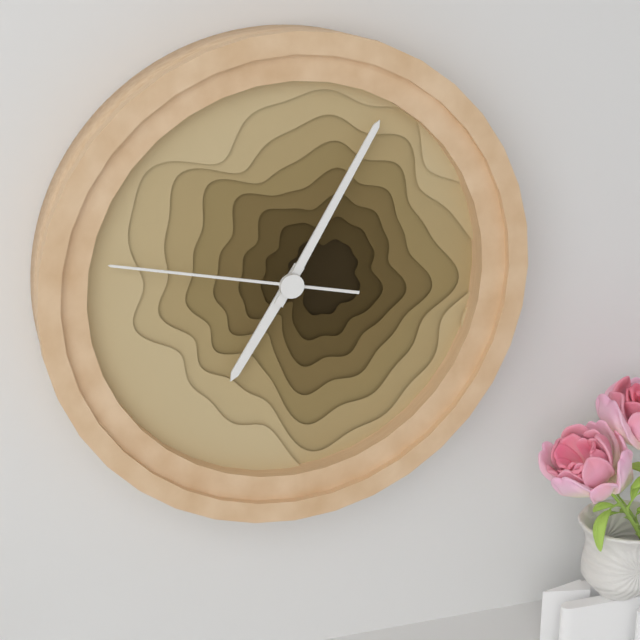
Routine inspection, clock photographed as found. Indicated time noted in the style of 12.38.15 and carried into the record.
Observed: 7.05.47
